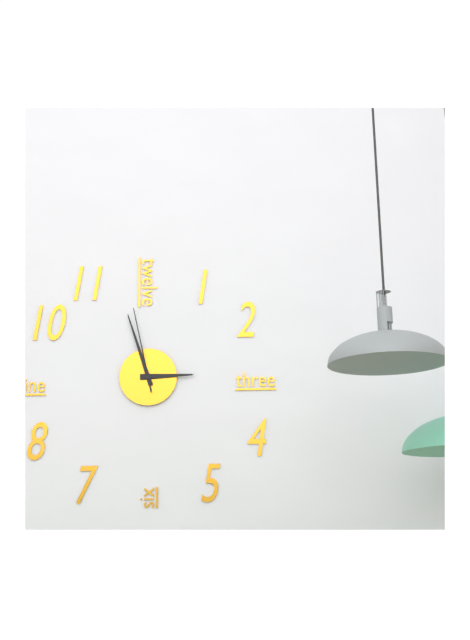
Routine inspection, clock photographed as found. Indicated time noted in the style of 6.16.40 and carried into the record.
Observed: 2.57.58
